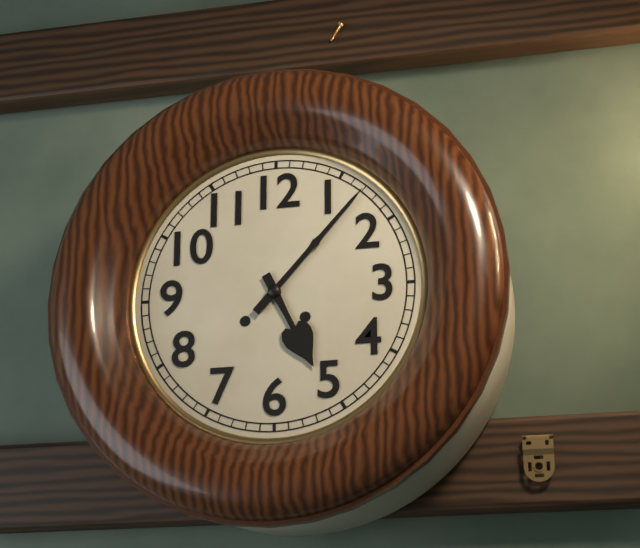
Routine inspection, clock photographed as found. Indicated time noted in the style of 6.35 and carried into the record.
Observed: 5.07
